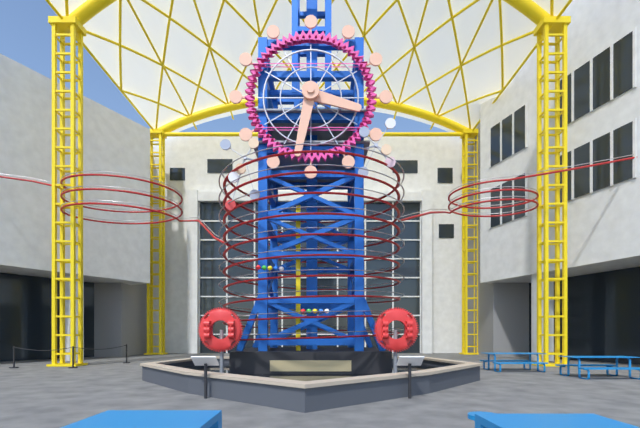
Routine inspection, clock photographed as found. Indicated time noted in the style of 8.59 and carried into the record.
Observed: 3.32
